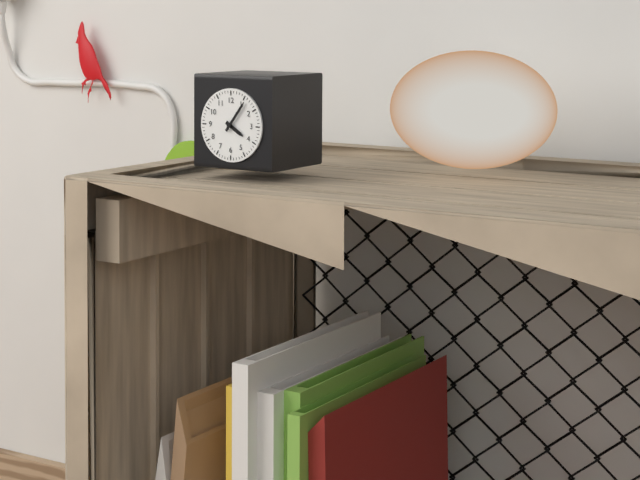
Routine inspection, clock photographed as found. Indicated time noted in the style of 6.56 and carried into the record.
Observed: 4.06
